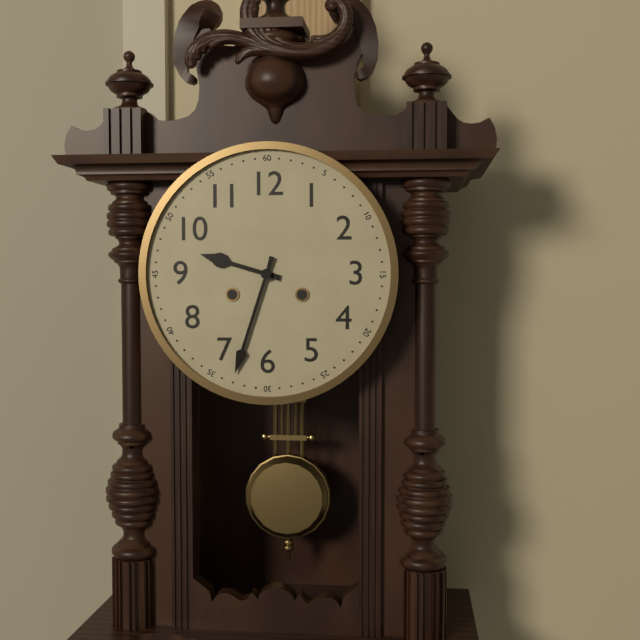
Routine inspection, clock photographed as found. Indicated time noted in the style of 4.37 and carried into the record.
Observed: 9.33
